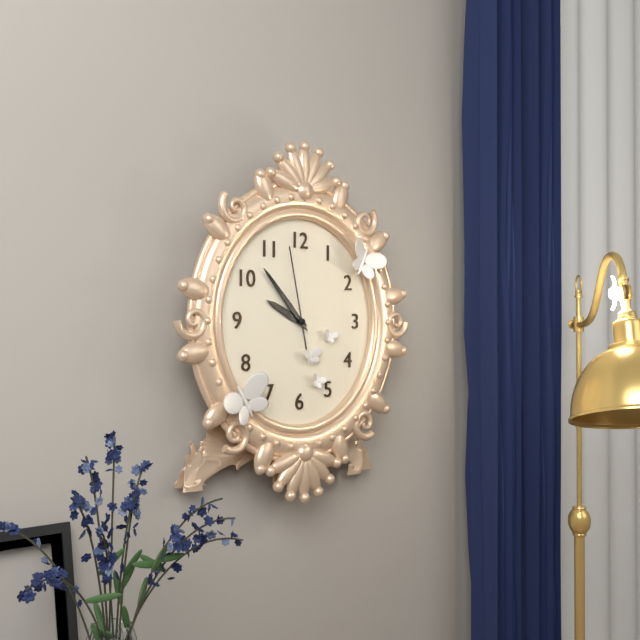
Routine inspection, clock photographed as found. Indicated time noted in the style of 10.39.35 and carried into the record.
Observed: 9.53.58
